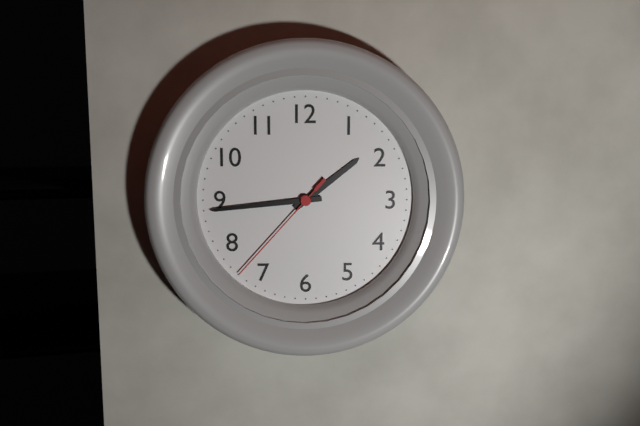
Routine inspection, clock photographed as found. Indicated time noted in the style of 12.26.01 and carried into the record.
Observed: 1.44.37
